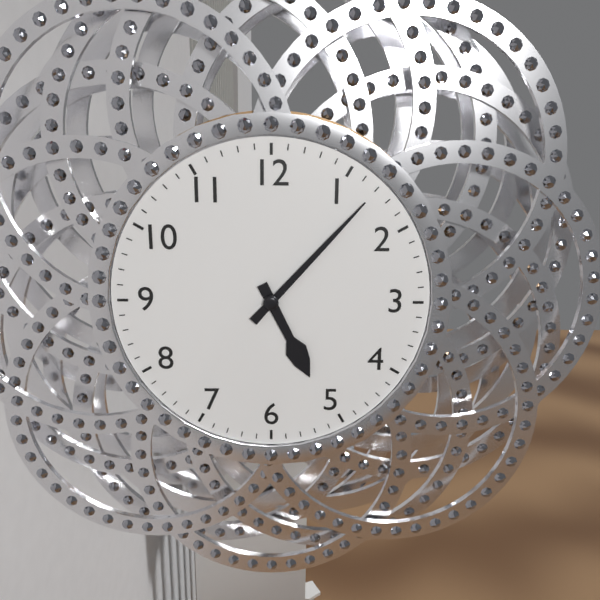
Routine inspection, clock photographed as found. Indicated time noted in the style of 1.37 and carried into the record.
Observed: 5.07
